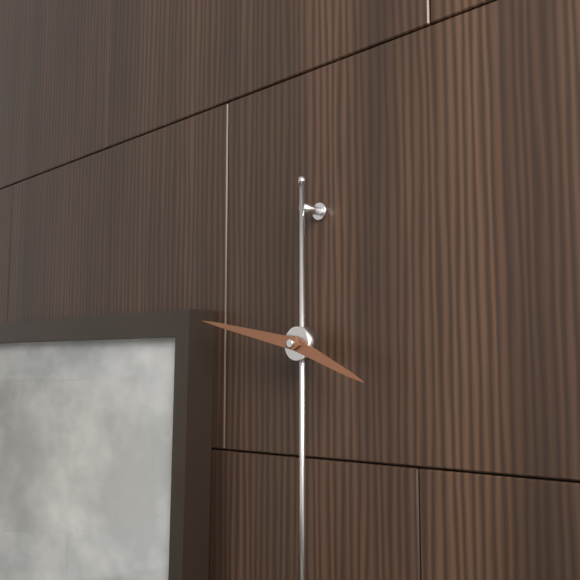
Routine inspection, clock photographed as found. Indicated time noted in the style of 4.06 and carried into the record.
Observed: 3.47
